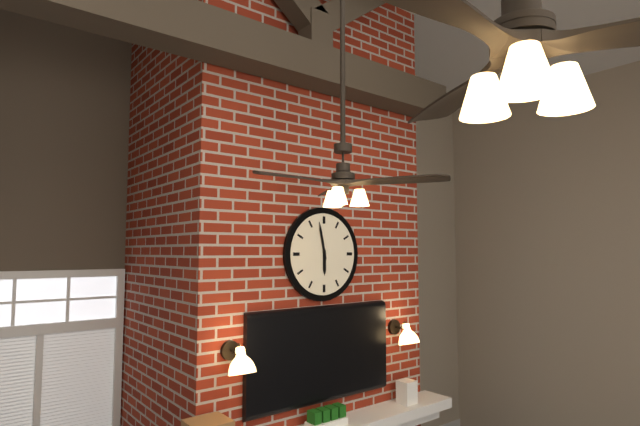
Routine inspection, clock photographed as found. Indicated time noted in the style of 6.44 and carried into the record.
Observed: 5.58
